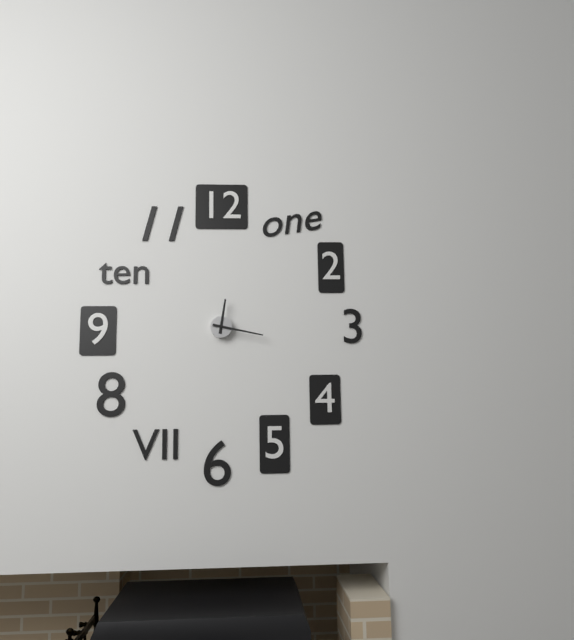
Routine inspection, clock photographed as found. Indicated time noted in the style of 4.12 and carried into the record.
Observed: 12.17
